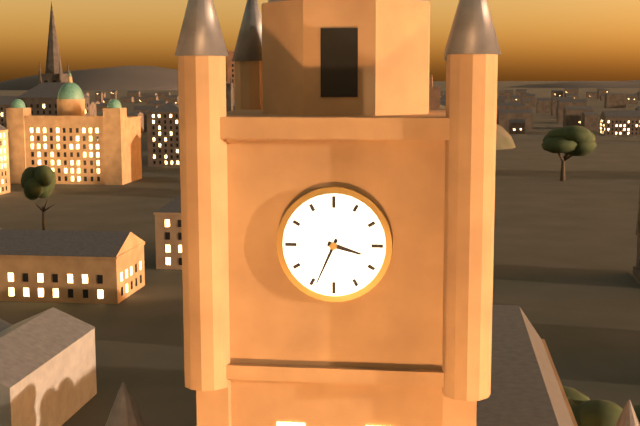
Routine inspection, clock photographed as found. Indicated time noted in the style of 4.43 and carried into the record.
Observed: 3.34
